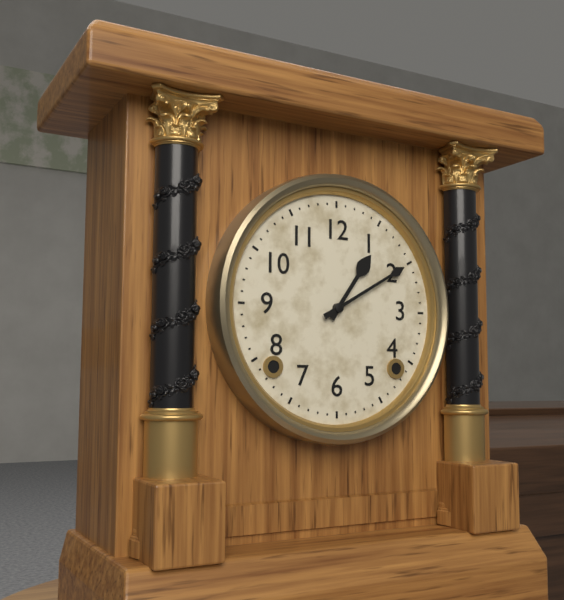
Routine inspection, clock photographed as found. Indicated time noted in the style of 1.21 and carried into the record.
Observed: 1.10
